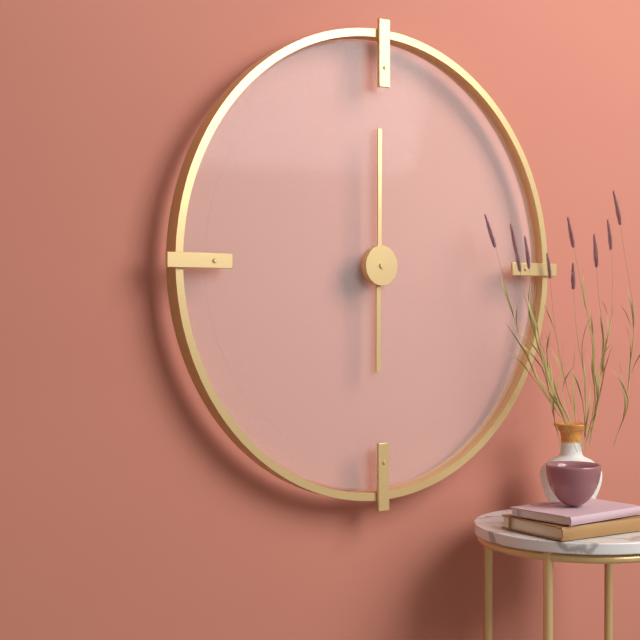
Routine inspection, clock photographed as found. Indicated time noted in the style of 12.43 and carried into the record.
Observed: 6.00
